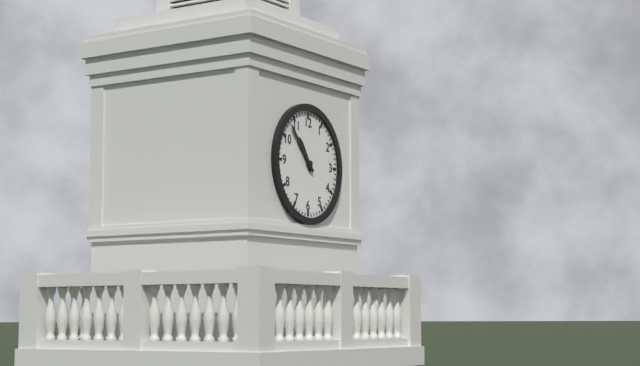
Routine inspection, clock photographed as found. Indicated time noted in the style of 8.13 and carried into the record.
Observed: 10.53
